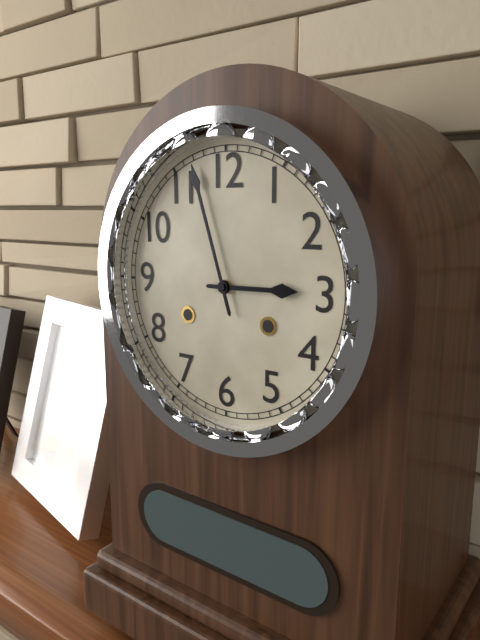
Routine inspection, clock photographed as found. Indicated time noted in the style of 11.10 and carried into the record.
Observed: 2.57
